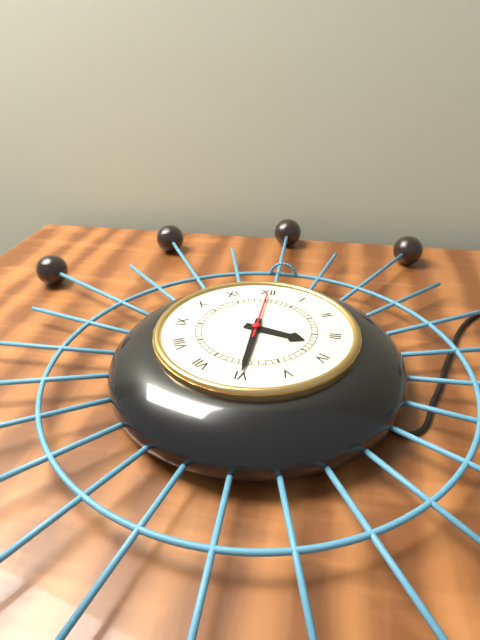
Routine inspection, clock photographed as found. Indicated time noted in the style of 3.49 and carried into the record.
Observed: 3.30
